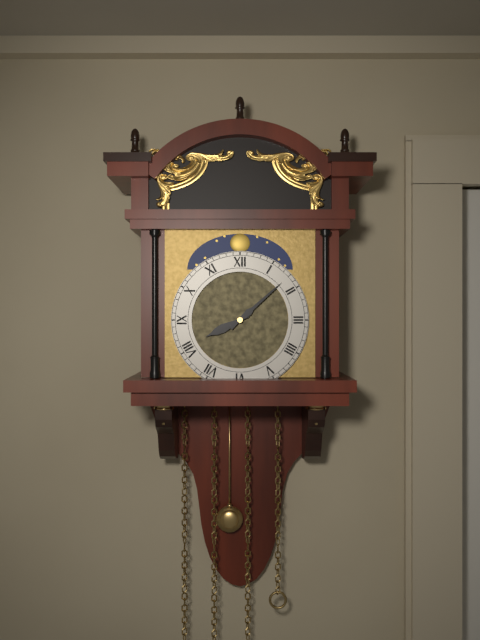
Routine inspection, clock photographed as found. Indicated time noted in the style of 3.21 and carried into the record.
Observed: 8.08
